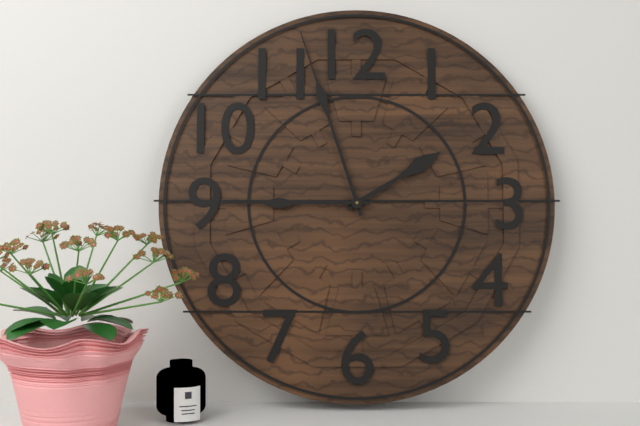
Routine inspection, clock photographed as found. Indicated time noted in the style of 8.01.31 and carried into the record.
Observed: 1.57.45
